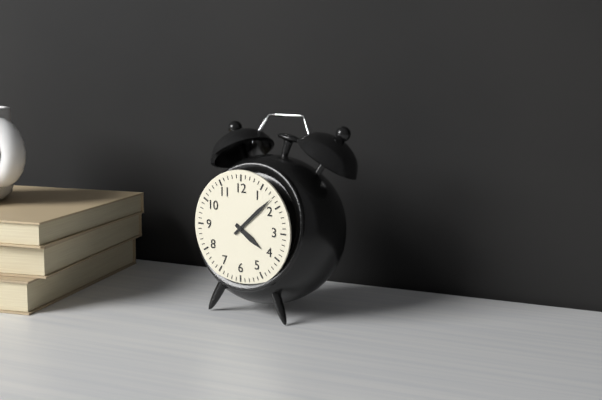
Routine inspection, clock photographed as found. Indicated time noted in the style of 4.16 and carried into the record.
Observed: 4.08
